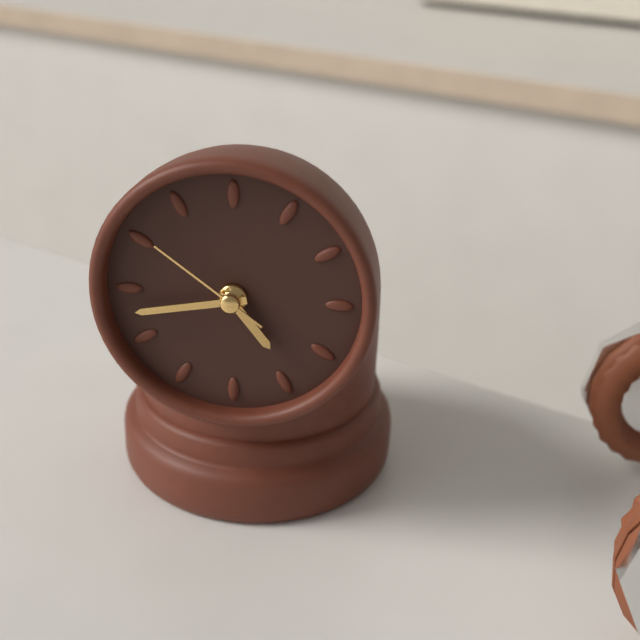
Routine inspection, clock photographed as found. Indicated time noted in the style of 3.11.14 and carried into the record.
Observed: 4.43.51
